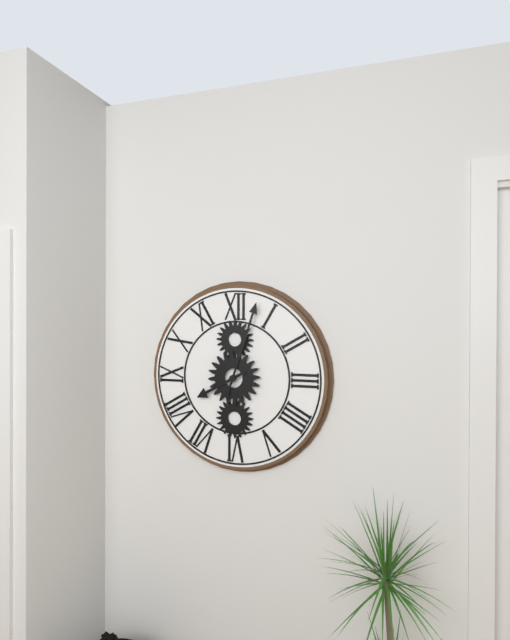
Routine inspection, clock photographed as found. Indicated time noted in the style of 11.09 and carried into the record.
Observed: 8.03
